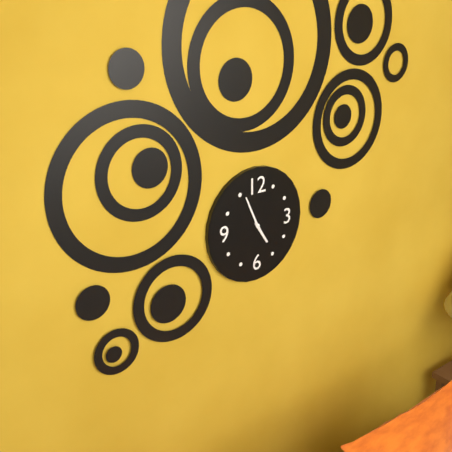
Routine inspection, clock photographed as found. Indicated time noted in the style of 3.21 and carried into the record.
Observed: 4.56
